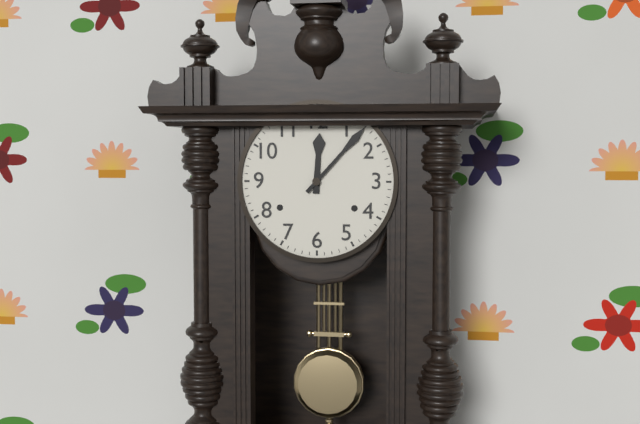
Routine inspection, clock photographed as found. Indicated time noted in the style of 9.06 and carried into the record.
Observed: 12.07
